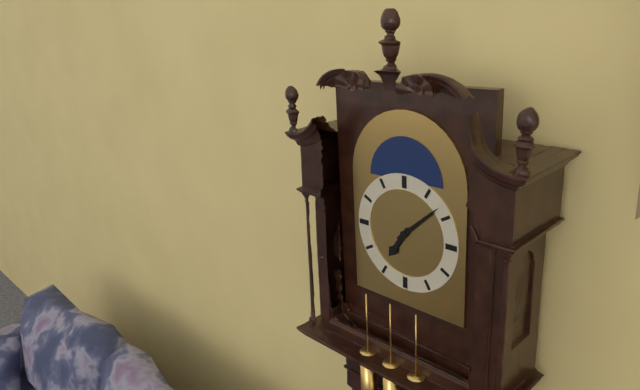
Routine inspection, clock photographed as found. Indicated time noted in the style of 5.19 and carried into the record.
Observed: 7.08
